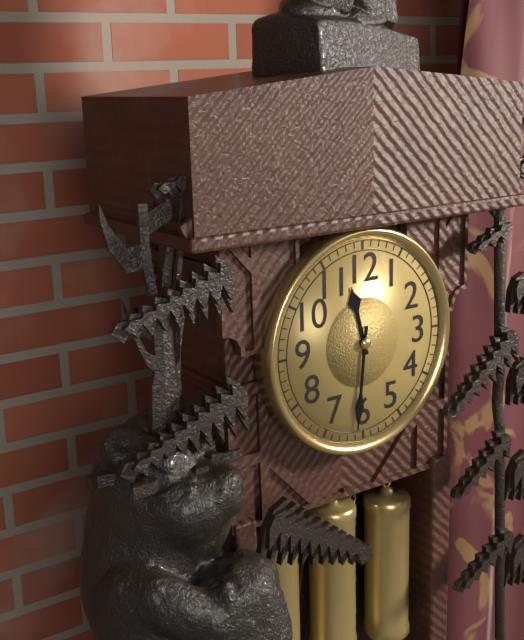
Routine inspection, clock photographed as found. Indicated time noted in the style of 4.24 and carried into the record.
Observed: 11.31
